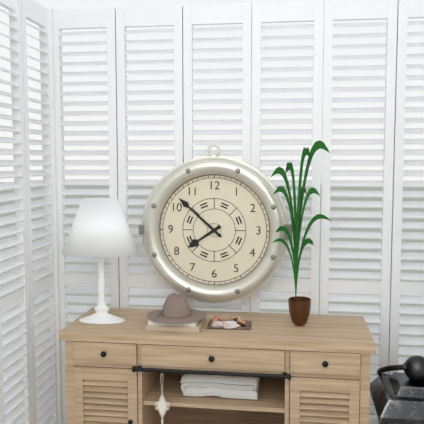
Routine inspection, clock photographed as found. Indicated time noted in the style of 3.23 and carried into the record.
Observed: 7.52
